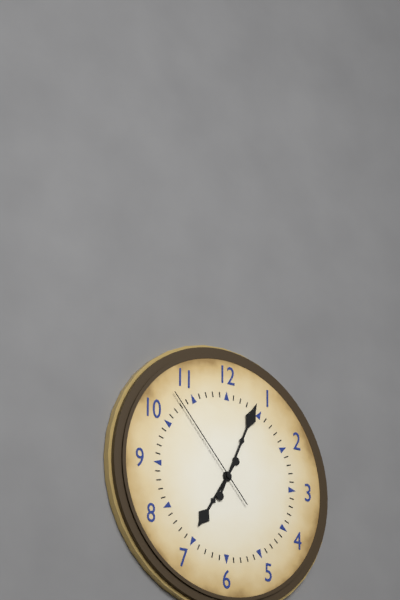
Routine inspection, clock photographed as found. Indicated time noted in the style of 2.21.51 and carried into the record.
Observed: 7.04.53
